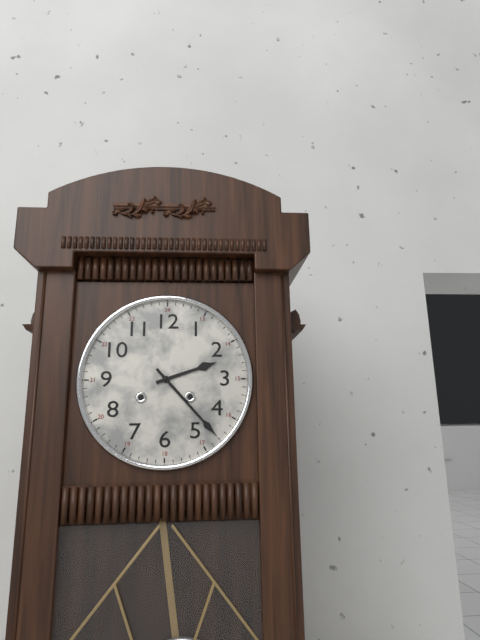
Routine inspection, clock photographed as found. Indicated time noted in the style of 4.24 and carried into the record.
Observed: 2.23
